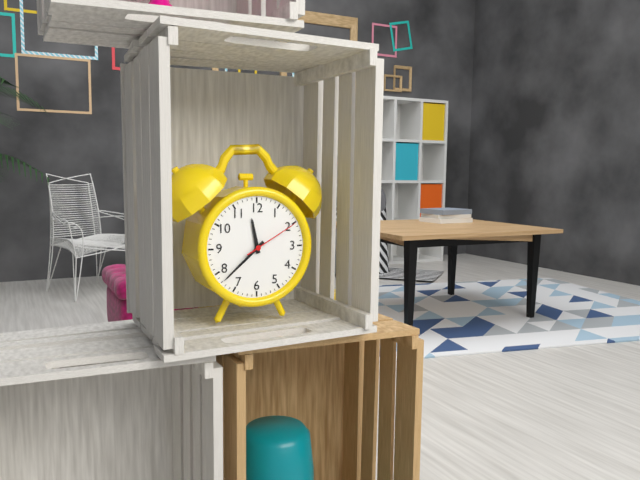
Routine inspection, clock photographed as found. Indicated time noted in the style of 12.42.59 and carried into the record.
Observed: 11.38.10
